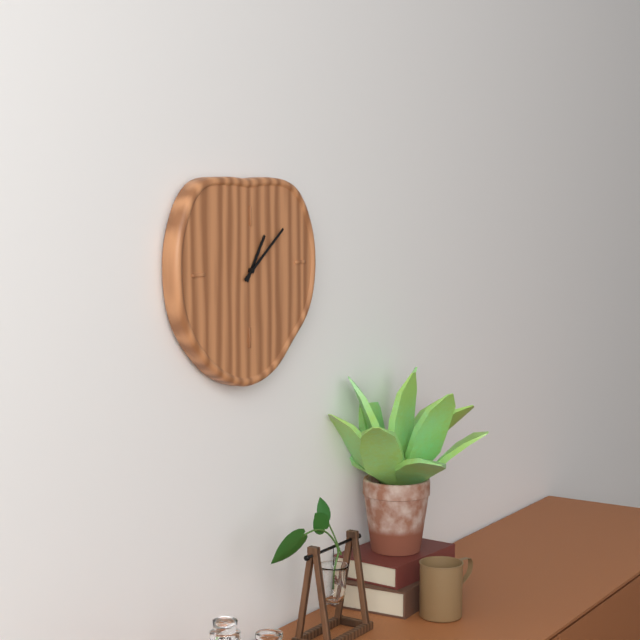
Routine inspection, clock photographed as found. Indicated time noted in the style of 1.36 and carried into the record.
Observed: 1.09
